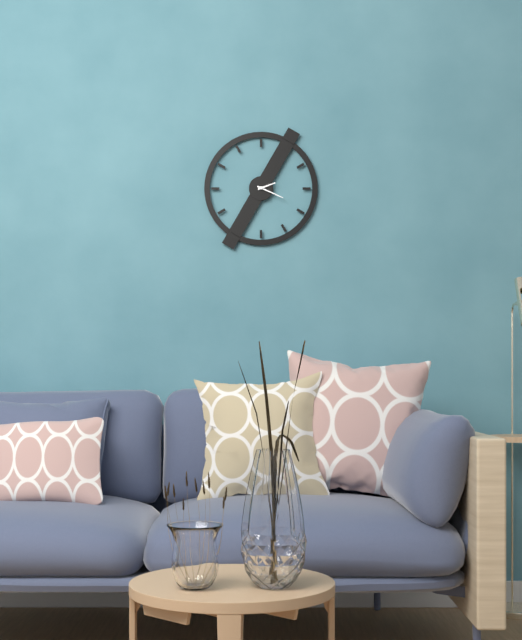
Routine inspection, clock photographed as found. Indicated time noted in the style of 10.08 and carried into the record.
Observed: 2.19
